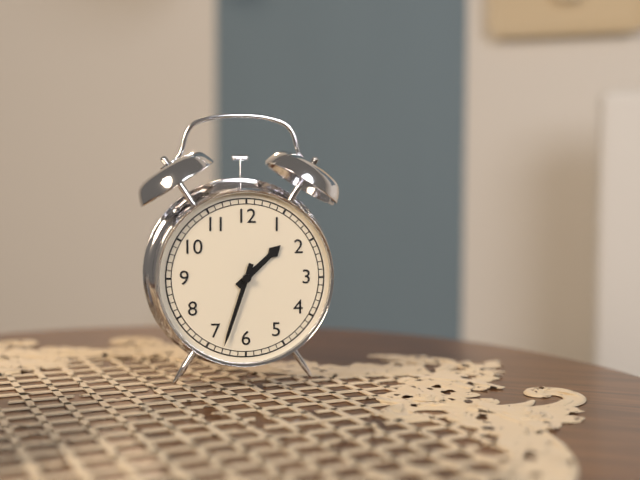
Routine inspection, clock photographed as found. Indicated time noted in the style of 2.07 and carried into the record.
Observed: 1.33
